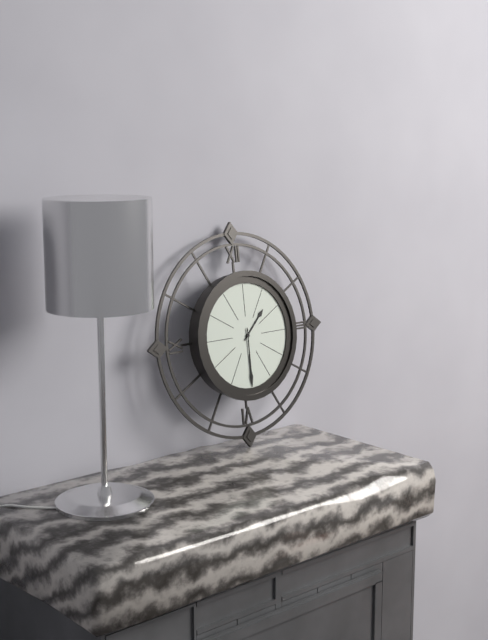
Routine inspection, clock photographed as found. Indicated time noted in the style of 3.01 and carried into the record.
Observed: 1.30
